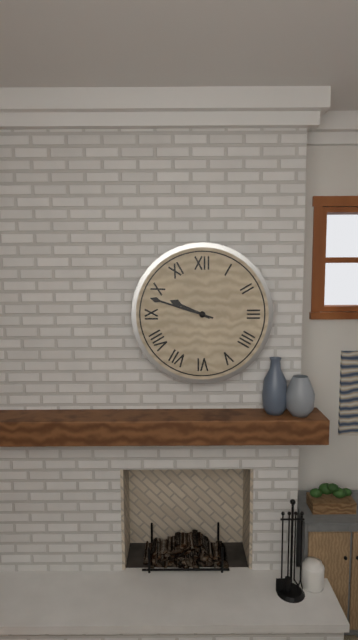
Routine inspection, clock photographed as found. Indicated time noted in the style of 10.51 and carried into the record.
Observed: 9.48
